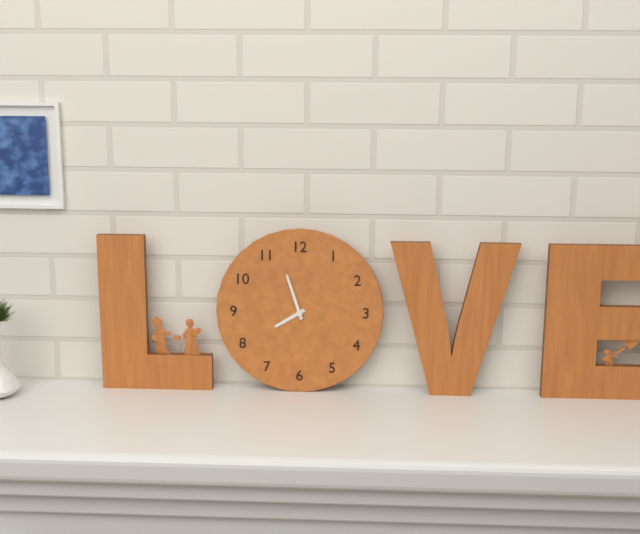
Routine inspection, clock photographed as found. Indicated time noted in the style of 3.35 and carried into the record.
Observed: 7.57
